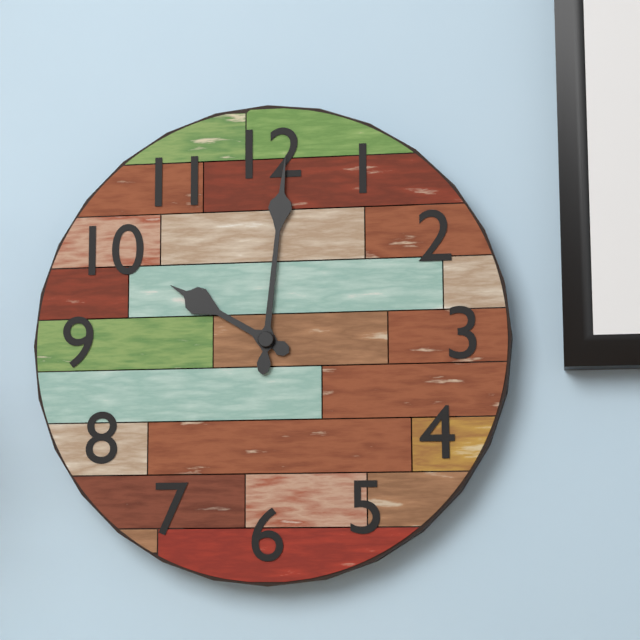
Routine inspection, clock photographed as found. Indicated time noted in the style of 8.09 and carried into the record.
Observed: 10.01
